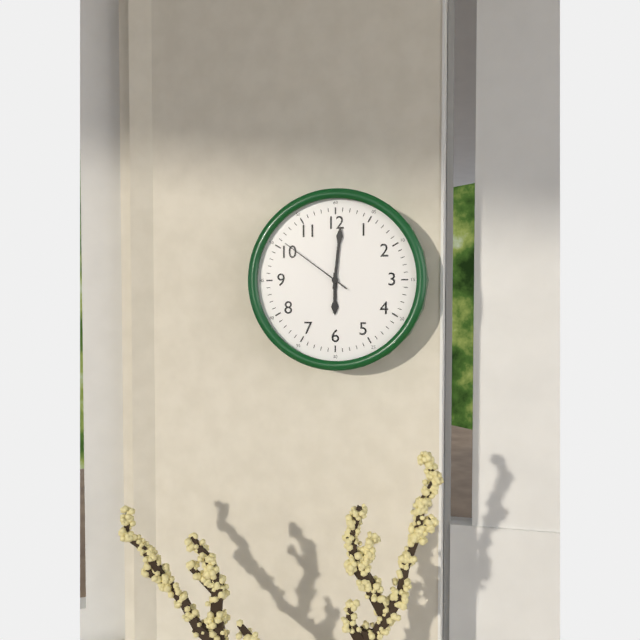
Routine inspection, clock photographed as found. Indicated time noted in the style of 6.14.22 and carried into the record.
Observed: 6.01.51
